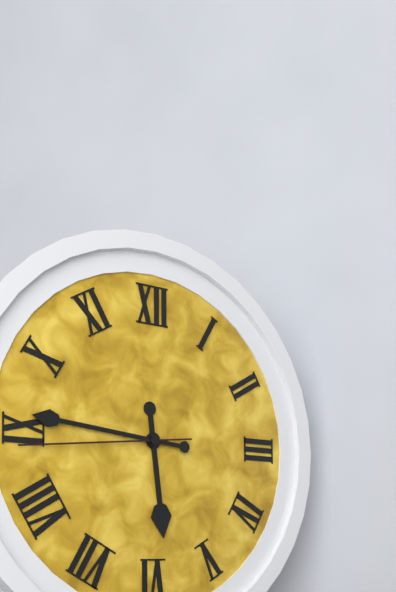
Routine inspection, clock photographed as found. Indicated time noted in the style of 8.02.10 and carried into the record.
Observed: 5.46.44
